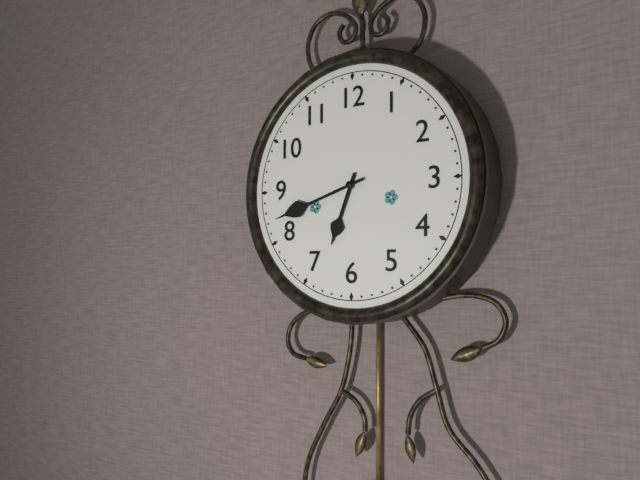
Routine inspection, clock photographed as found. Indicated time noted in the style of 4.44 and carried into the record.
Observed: 6.42
